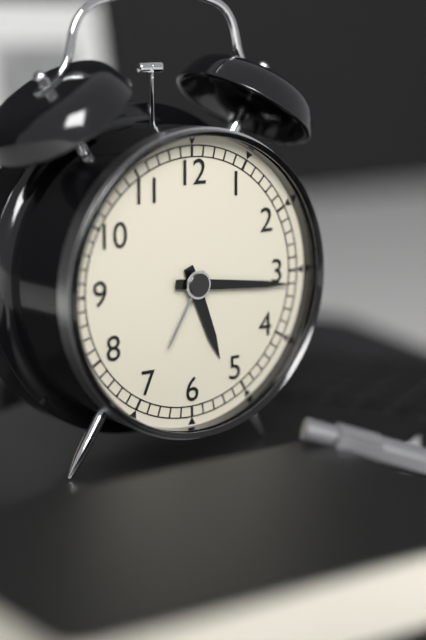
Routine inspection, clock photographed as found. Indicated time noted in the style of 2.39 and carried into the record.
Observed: 5.16
